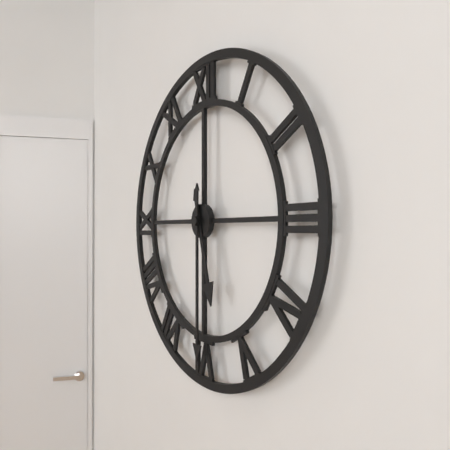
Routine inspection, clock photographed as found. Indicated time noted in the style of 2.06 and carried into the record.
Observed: 5.30
